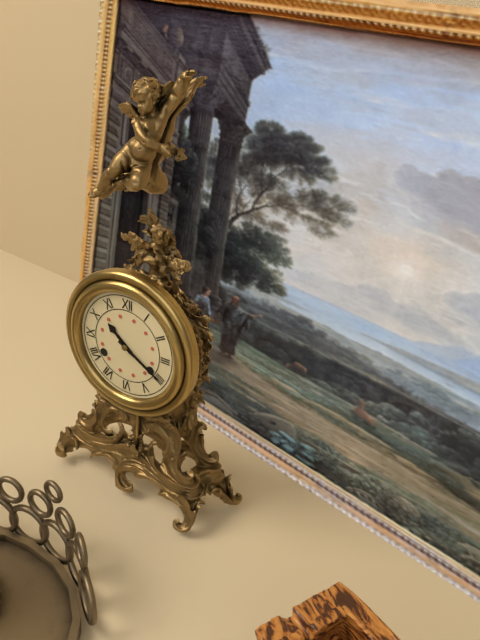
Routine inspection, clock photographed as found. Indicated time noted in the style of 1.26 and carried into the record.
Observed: 10.20
